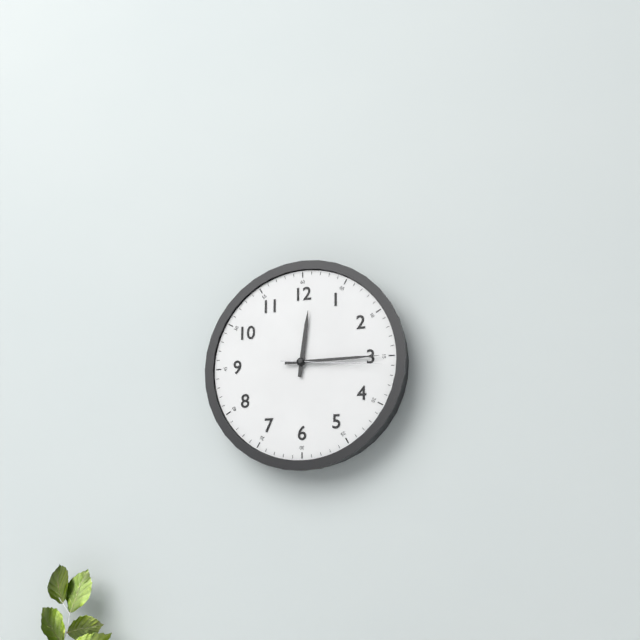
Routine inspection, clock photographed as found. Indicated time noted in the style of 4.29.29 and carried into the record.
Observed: 12.15.16
